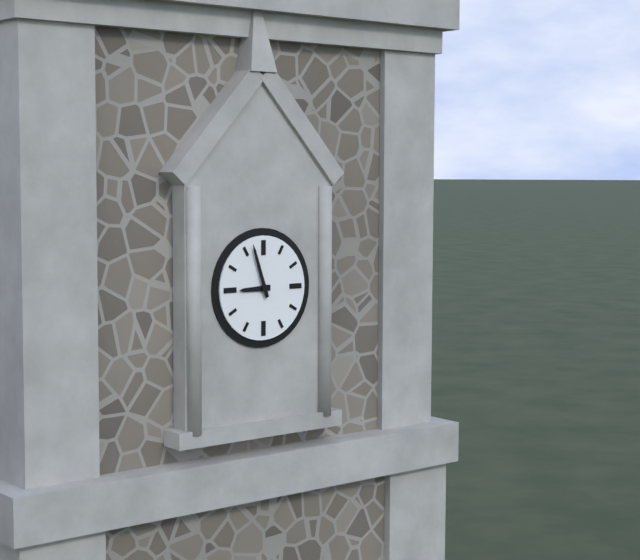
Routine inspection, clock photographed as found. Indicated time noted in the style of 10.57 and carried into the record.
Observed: 8.57
